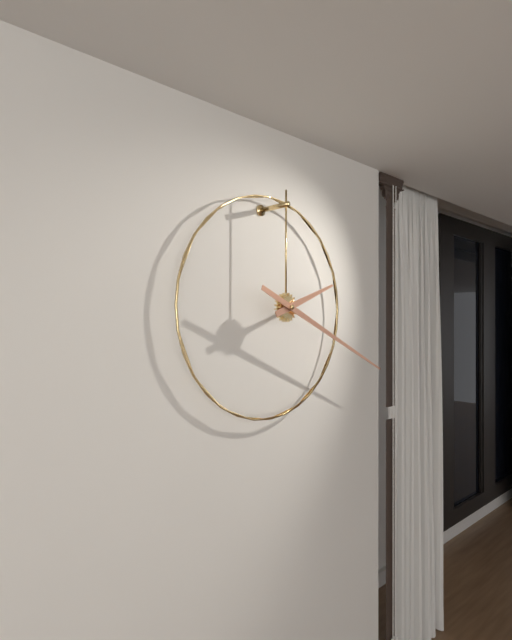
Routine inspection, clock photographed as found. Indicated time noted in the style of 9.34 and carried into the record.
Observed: 2.19
